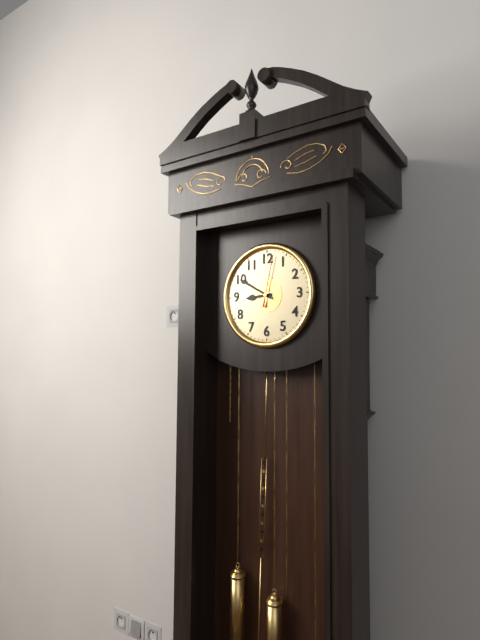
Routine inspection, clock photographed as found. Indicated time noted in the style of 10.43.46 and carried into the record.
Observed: 8.50.02
